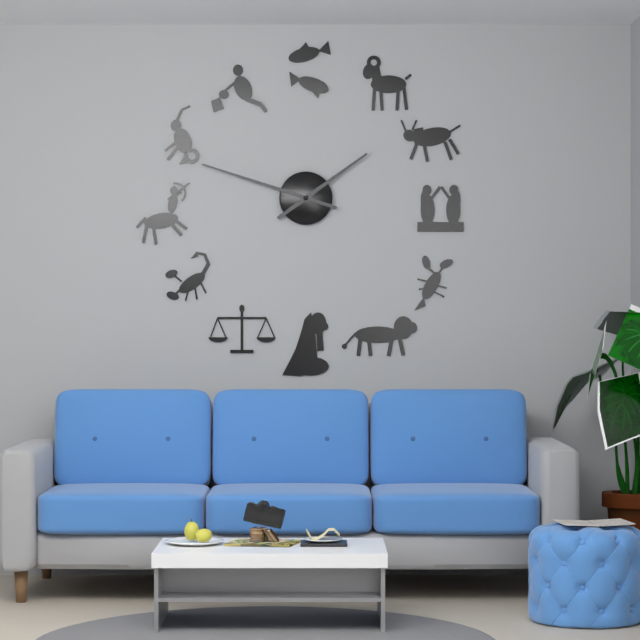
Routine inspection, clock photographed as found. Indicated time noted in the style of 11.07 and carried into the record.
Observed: 1.48
